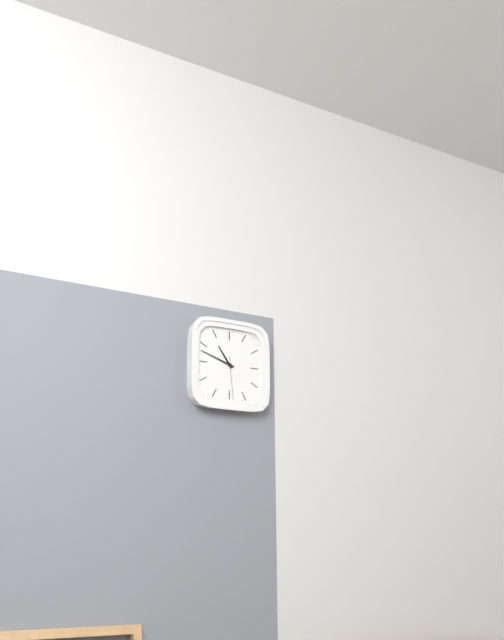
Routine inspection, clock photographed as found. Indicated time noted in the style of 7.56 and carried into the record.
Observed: 10.48
